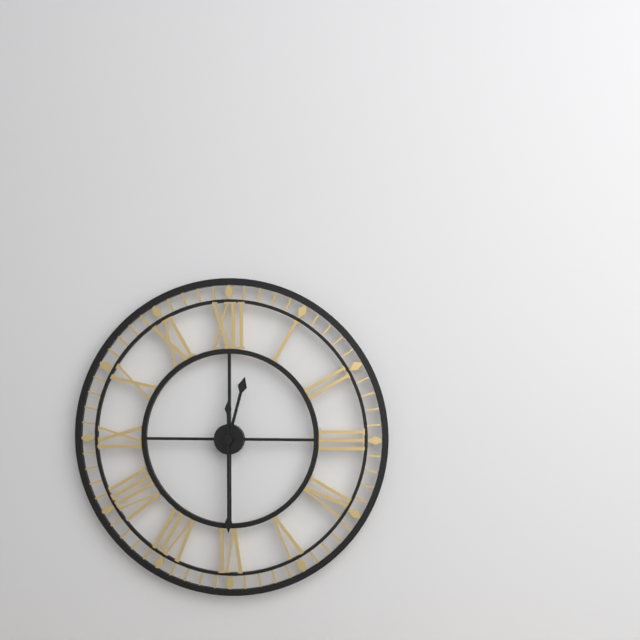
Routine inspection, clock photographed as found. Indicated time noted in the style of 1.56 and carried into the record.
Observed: 12.30
